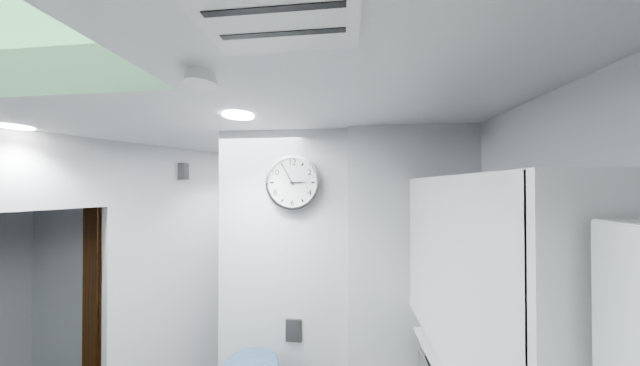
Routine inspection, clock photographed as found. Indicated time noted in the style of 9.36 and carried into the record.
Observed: 2.55
